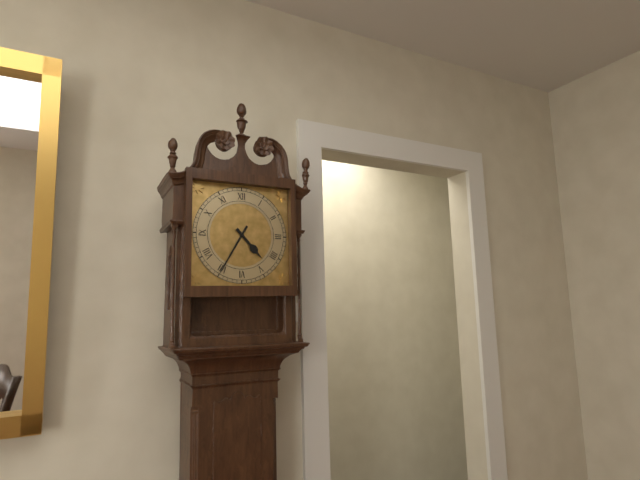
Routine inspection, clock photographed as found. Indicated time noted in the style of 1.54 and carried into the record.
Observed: 4.35
